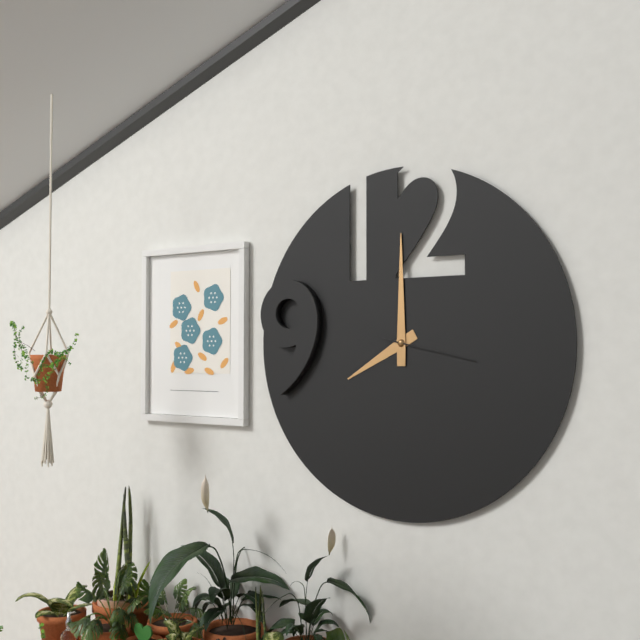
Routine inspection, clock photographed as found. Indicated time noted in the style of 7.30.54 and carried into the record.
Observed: 8.00.17
